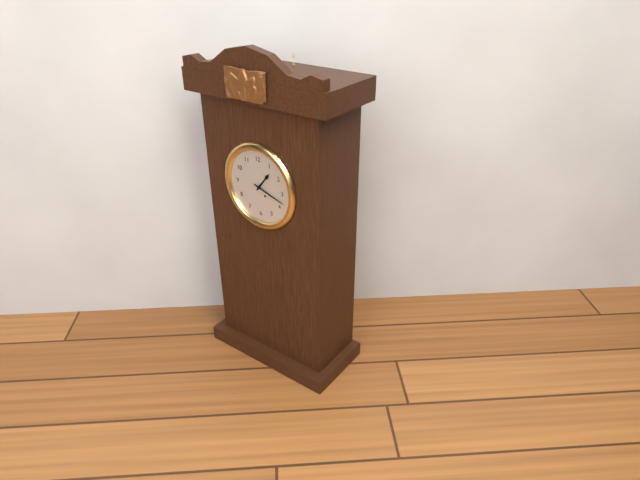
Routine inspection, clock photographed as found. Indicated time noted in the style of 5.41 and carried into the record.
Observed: 1.18
